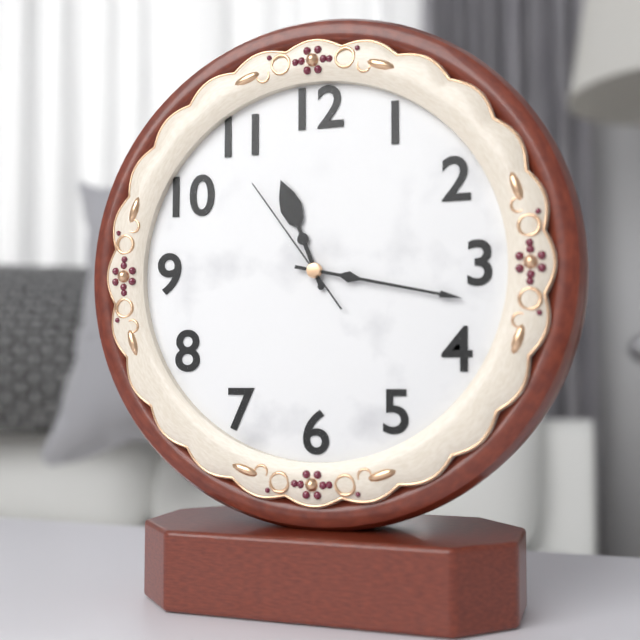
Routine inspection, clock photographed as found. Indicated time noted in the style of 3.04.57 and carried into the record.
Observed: 11.17.54
